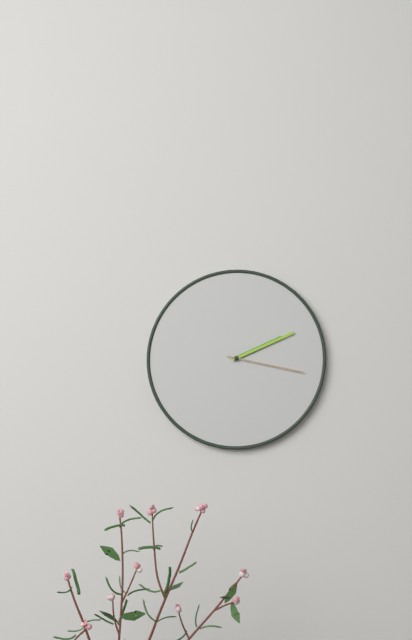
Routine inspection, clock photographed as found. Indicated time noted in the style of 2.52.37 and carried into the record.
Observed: 2.11.17
